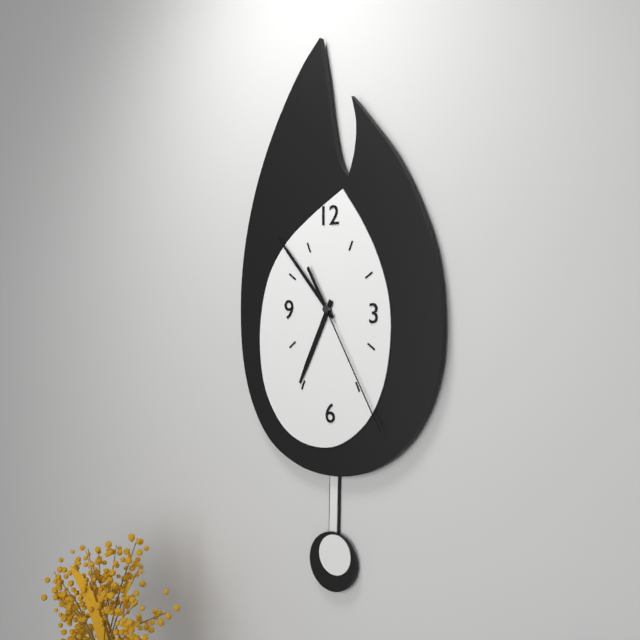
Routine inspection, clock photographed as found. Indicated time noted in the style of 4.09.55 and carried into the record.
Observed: 6.53.25
